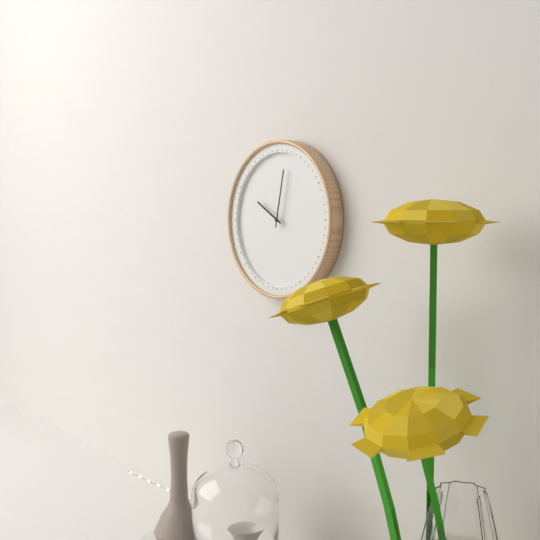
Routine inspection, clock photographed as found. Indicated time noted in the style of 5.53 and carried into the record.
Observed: 10.02
